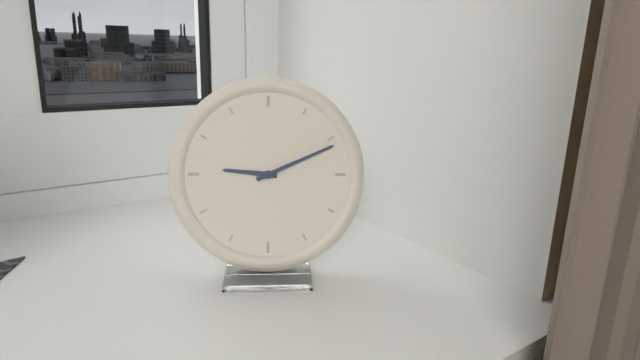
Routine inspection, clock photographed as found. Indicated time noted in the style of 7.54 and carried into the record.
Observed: 9.11
